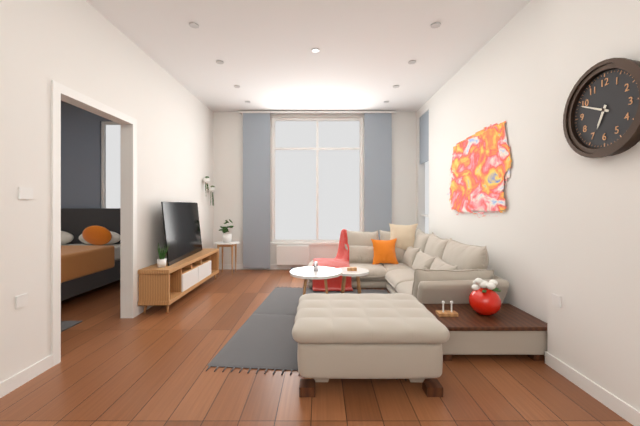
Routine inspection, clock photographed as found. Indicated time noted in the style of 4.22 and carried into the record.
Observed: 6.49
